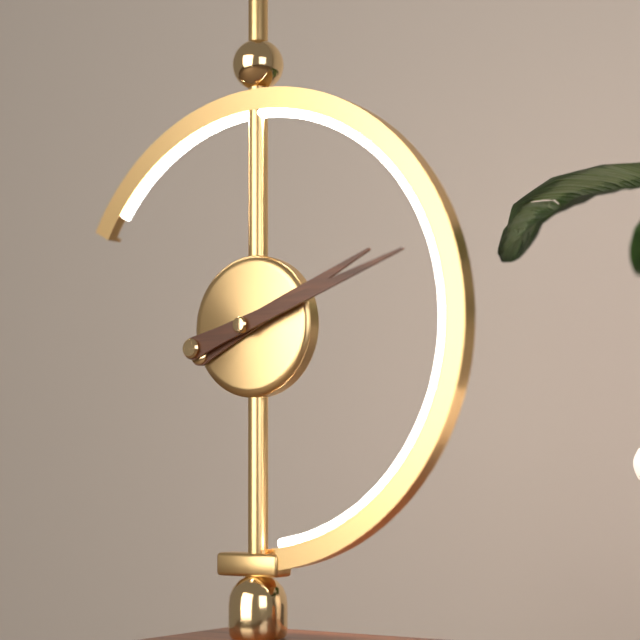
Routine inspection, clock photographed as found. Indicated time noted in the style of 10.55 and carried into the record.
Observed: 2.12
